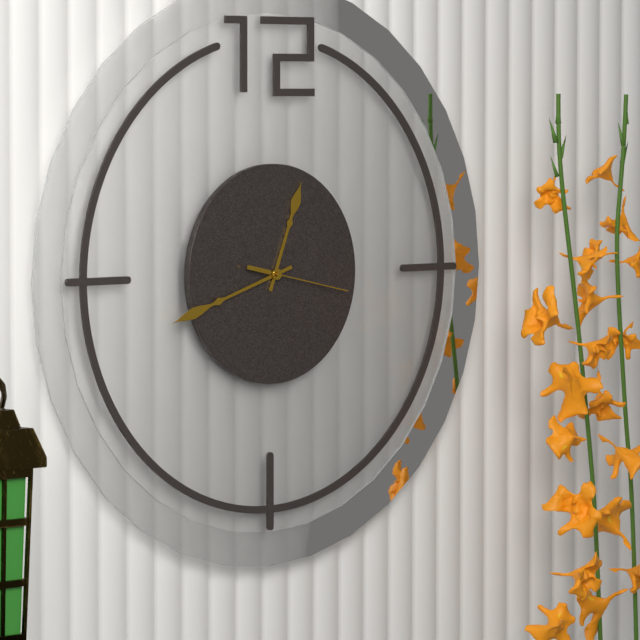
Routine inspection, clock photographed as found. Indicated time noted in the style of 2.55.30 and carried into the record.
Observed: 12.42.17
